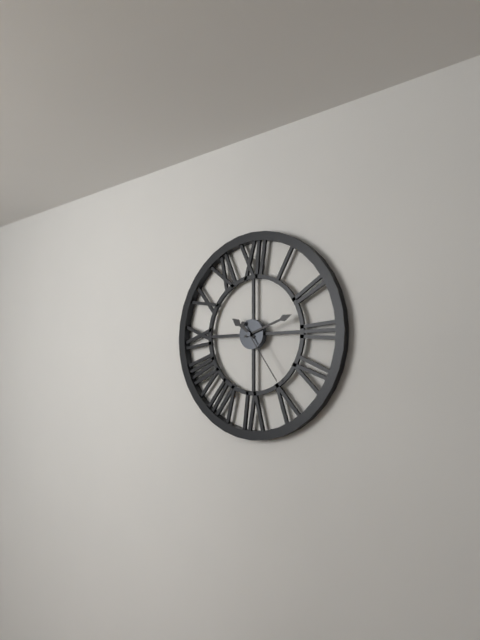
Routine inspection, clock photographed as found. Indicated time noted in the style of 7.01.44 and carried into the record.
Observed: 10.12.24
